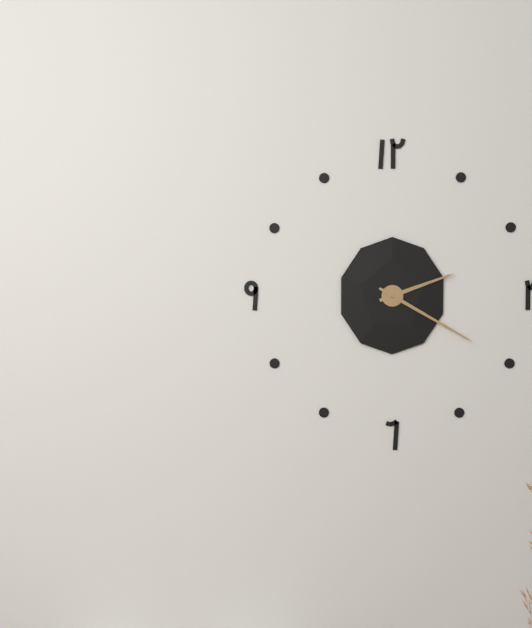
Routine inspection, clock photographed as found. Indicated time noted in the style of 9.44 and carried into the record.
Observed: 2.20
